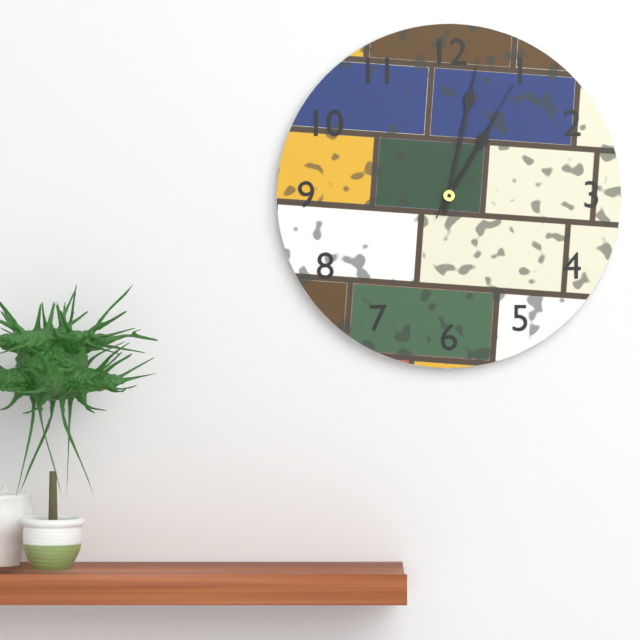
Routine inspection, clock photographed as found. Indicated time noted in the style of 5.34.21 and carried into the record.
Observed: 1.02.05
